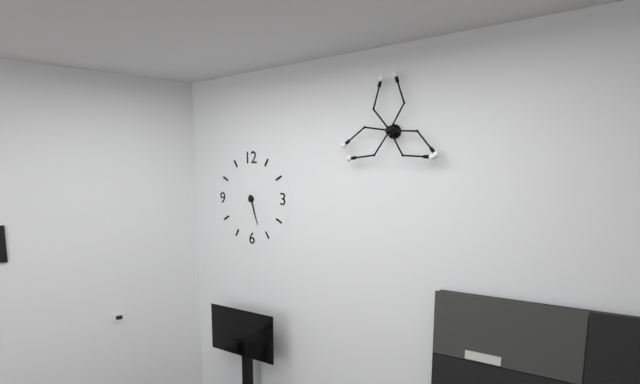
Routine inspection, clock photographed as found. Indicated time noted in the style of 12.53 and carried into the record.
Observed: 5.27
